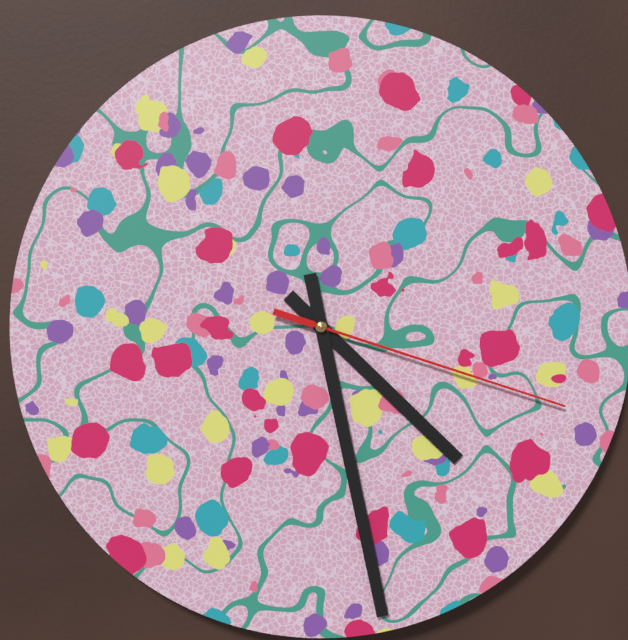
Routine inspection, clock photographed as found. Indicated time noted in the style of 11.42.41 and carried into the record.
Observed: 4.28.18
